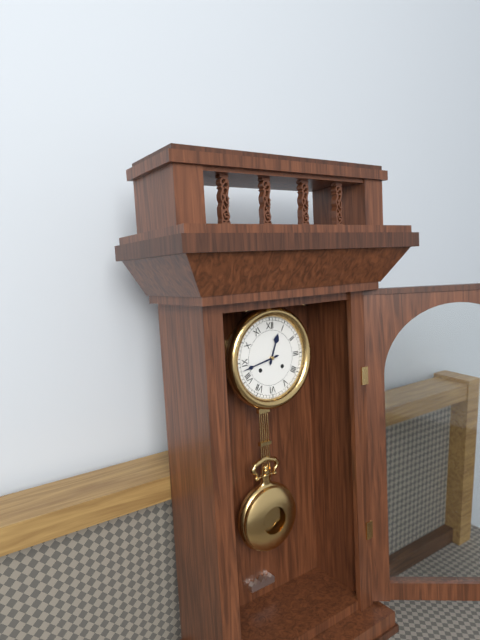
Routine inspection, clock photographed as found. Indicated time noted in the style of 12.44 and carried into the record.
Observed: 12.43
